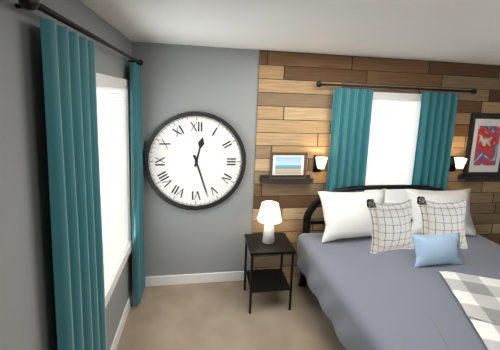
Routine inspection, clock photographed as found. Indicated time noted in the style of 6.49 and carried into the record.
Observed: 12.27
